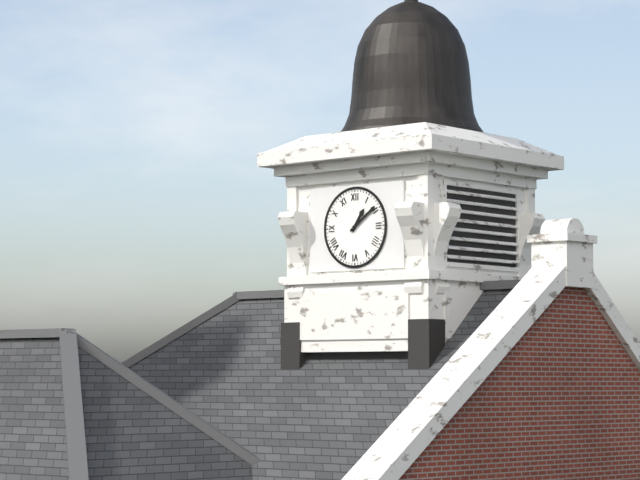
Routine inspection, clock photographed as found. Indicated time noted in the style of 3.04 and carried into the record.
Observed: 1.09
